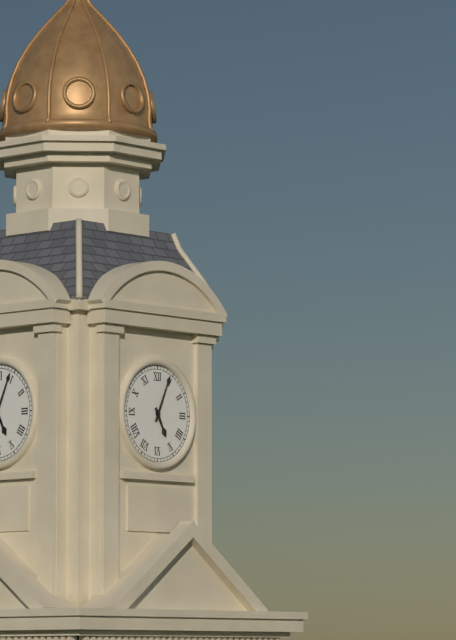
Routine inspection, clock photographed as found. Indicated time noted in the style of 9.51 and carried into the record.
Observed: 5.04
